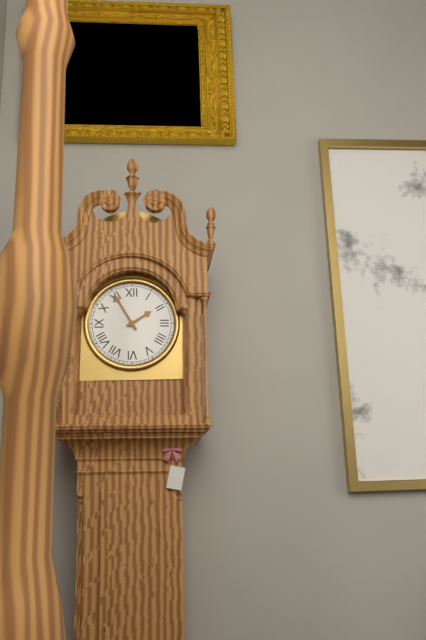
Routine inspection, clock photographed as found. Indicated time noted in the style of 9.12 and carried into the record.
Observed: 1.55
